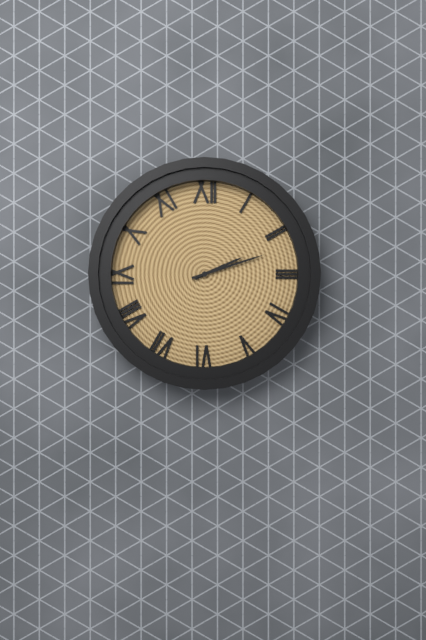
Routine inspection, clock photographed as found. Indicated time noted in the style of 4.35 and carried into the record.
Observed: 2.12
